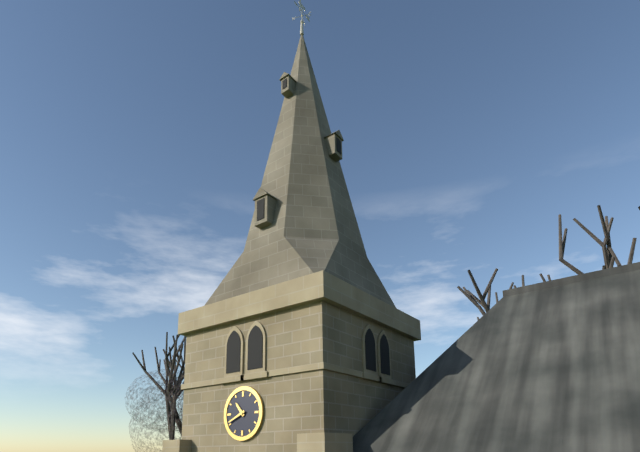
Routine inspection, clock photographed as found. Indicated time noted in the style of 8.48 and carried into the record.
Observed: 10.41
